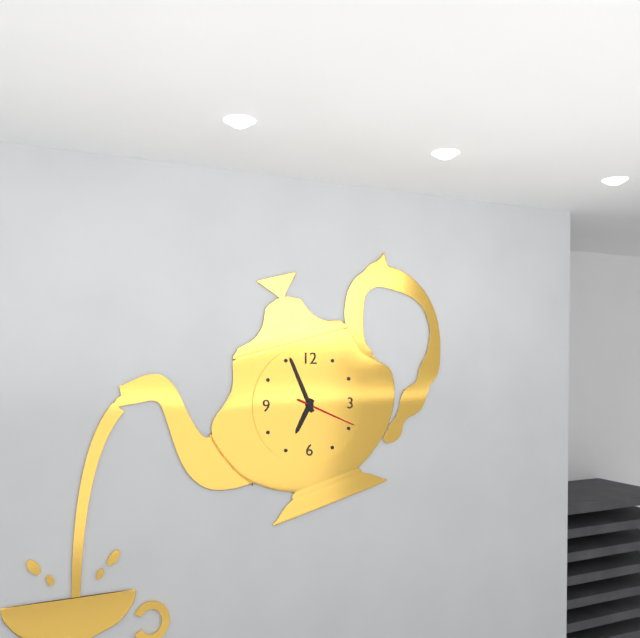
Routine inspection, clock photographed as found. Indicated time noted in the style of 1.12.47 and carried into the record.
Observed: 6.56.19
